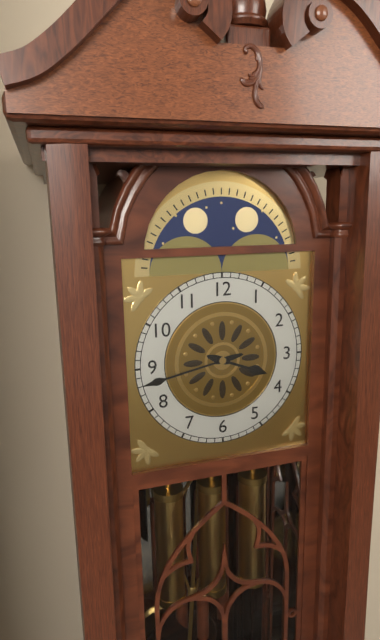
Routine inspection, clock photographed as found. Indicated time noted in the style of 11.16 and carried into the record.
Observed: 3.43
